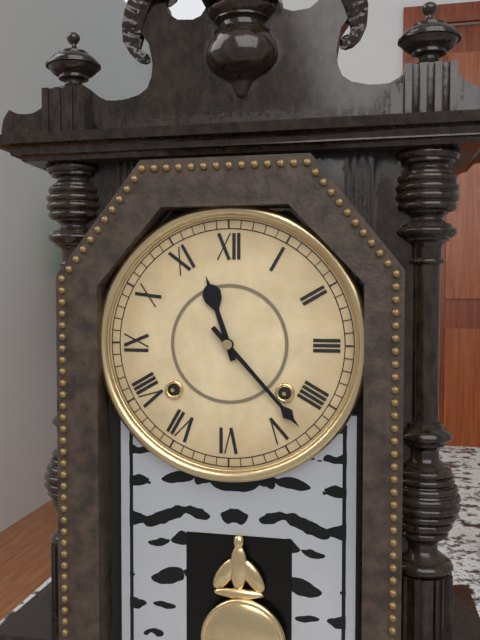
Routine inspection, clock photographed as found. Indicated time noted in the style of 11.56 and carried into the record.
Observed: 11.23
